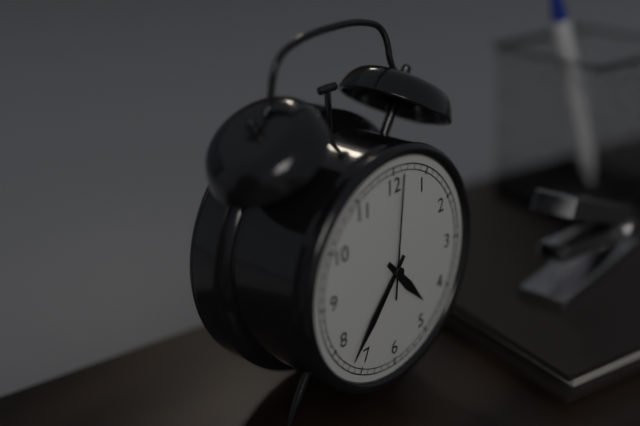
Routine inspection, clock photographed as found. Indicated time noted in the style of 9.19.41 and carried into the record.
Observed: 4.37.01
